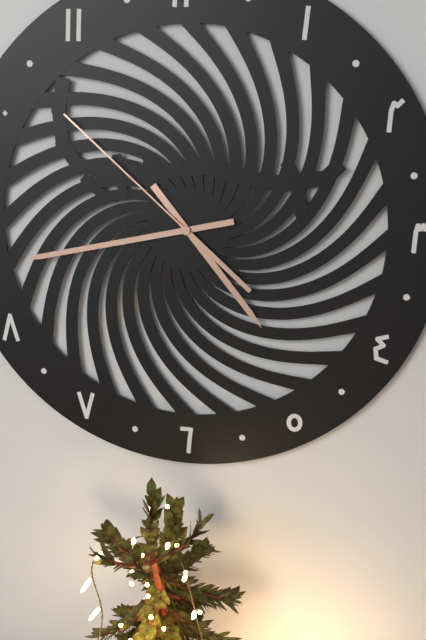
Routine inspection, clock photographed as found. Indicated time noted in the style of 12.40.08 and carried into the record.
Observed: 4.43.52
